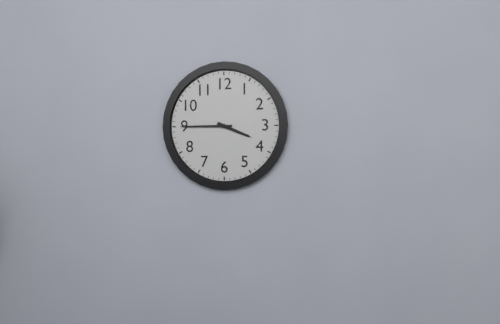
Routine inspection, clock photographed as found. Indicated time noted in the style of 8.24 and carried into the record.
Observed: 3.45
